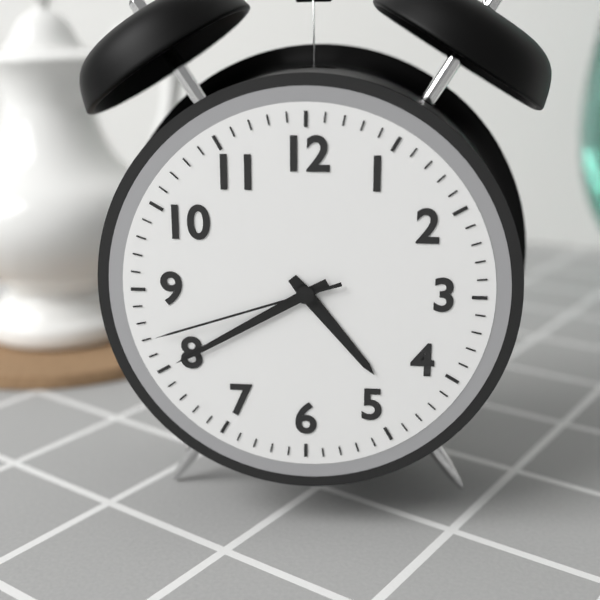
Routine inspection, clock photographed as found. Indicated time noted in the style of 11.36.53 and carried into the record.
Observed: 4.40.42
